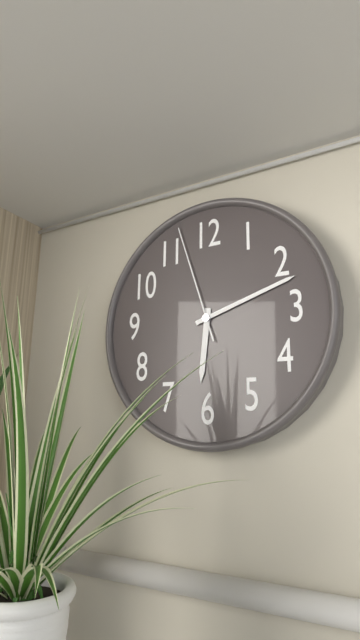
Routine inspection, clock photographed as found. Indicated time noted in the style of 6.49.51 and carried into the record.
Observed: 6.12.57
